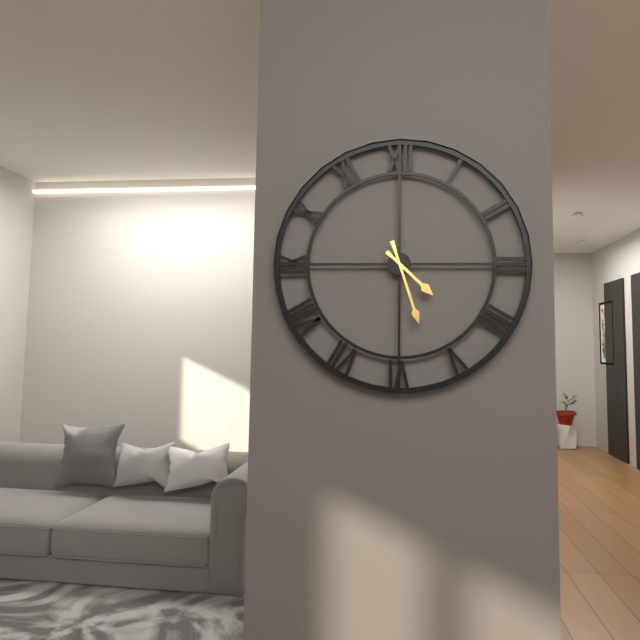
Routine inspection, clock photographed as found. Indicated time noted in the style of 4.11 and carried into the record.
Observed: 4.27
